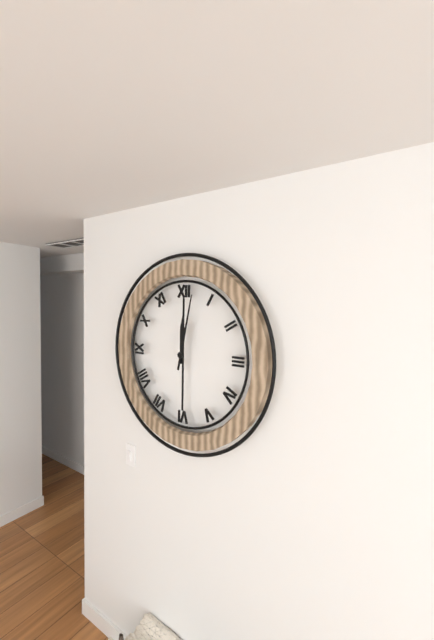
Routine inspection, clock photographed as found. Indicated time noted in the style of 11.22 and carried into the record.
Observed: 12.02
